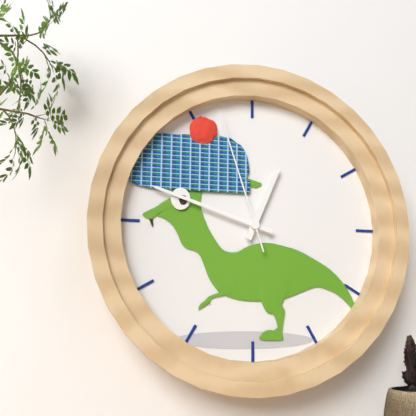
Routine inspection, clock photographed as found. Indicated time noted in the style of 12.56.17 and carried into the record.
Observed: 12.48.57
